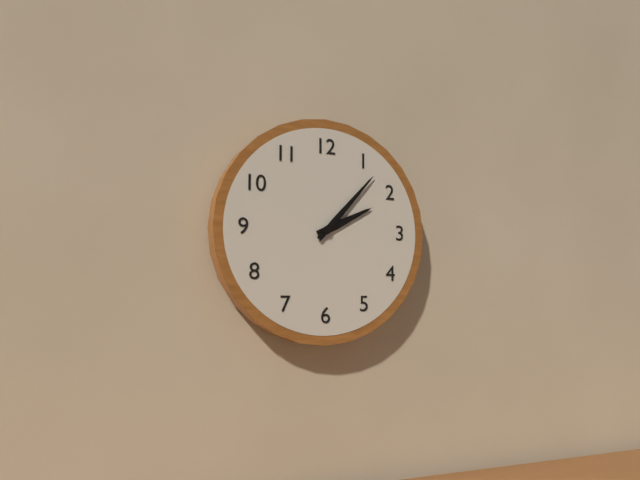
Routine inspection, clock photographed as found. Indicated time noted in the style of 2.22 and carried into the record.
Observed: 2.07
